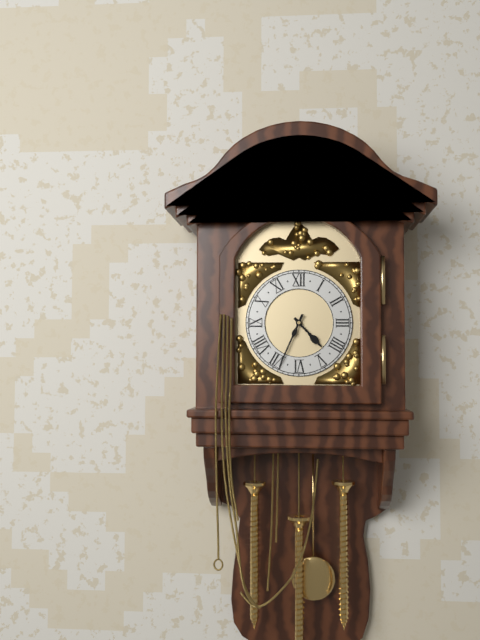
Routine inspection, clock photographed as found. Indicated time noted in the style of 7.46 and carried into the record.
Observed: 4.34
